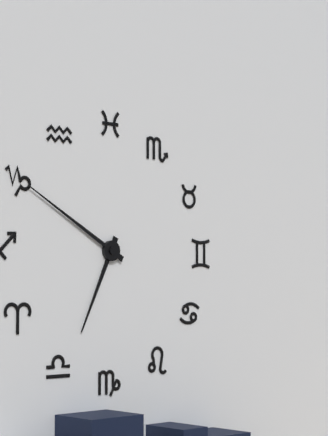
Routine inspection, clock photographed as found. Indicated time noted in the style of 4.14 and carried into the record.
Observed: 6.50
